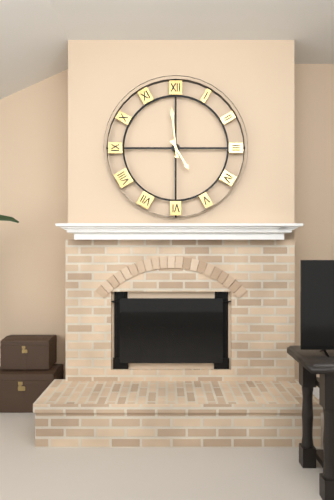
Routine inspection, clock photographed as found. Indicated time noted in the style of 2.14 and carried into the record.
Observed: 4.59
